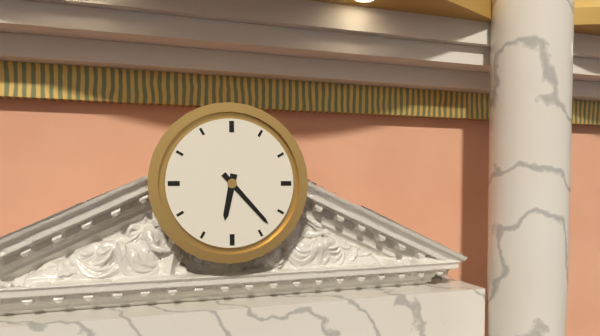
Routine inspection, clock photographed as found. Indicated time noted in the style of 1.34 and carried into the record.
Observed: 6.23
